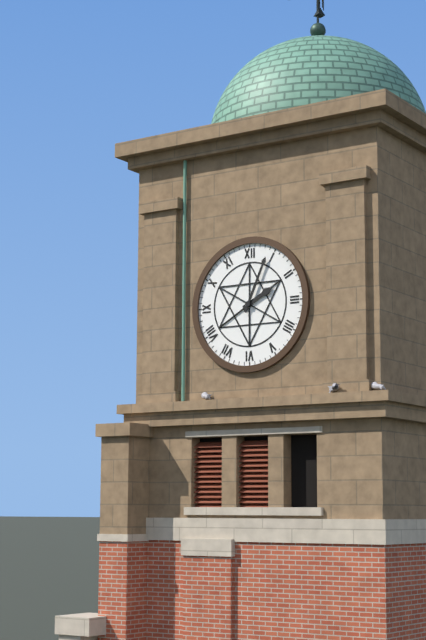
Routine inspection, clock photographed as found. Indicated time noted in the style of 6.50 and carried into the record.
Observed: 2.04
